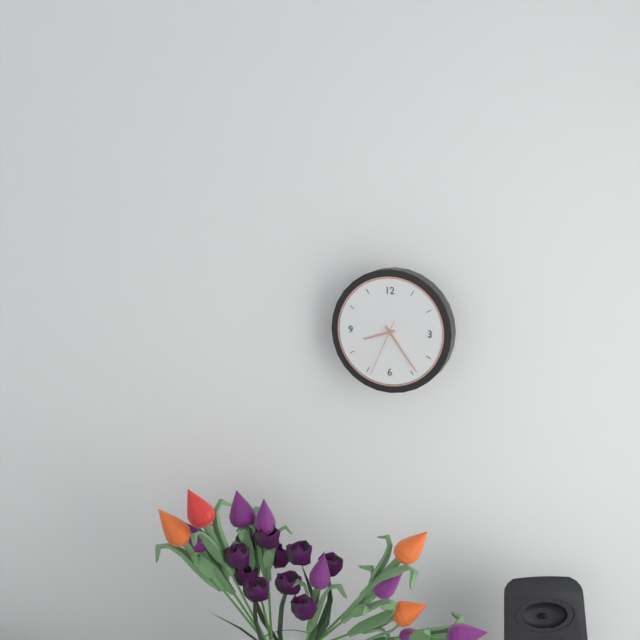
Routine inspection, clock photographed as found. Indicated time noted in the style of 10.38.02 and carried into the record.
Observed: 8.24.34
